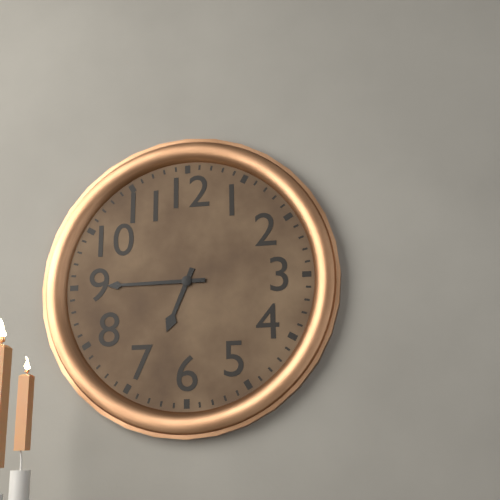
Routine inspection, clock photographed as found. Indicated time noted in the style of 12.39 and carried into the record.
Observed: 6.45
